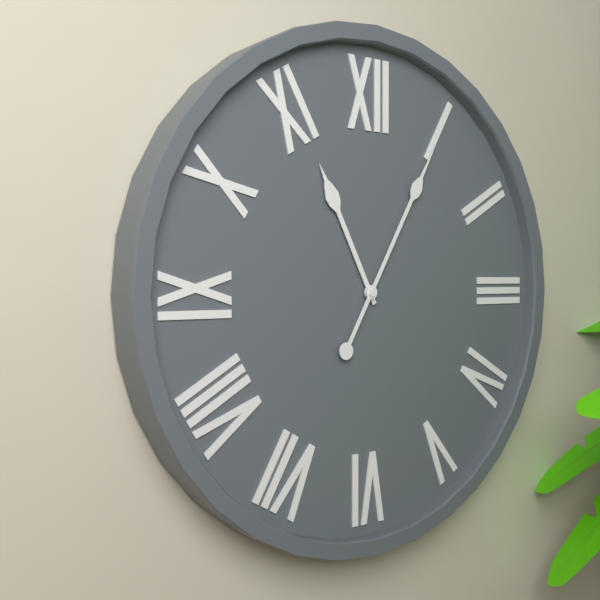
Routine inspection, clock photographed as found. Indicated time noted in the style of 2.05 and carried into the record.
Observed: 11.05
